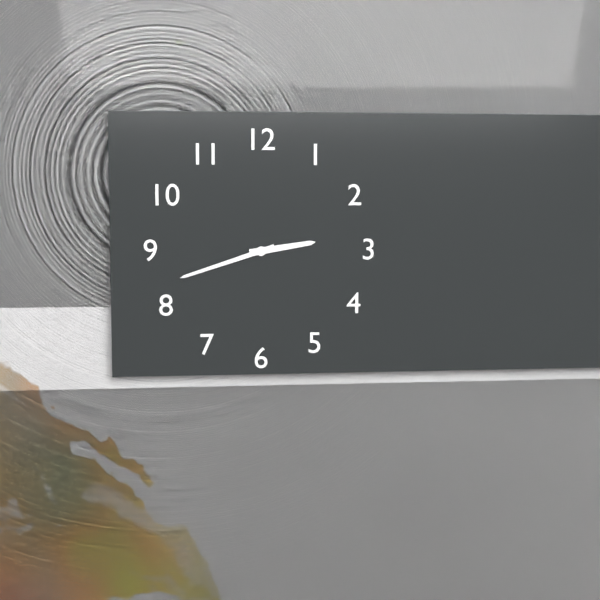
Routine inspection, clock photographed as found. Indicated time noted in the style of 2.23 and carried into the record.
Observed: 2.42
